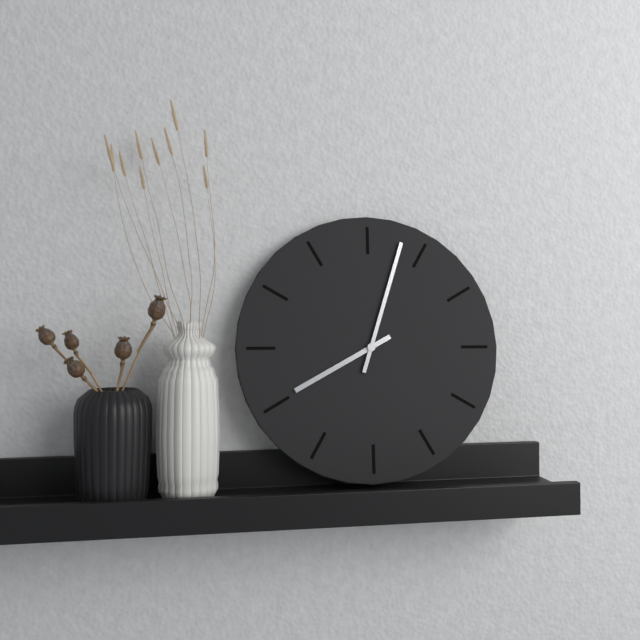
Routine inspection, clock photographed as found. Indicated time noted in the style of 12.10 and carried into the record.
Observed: 8.03
